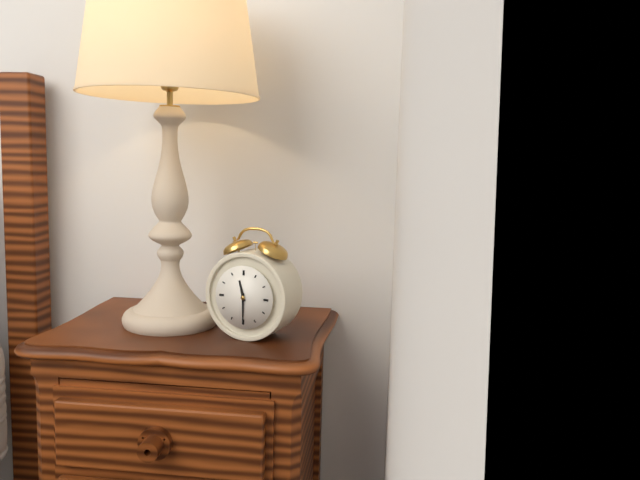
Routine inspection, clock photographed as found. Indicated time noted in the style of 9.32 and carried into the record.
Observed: 11.30
